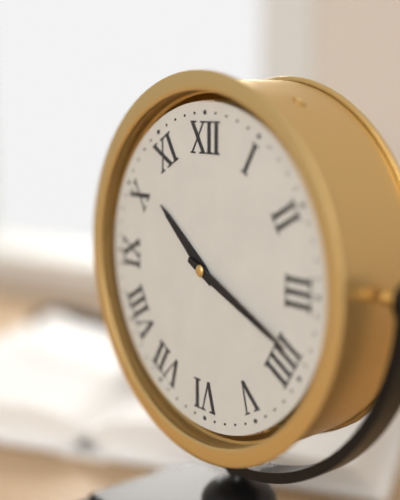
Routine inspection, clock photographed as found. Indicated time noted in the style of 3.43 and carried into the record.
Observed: 10.19
